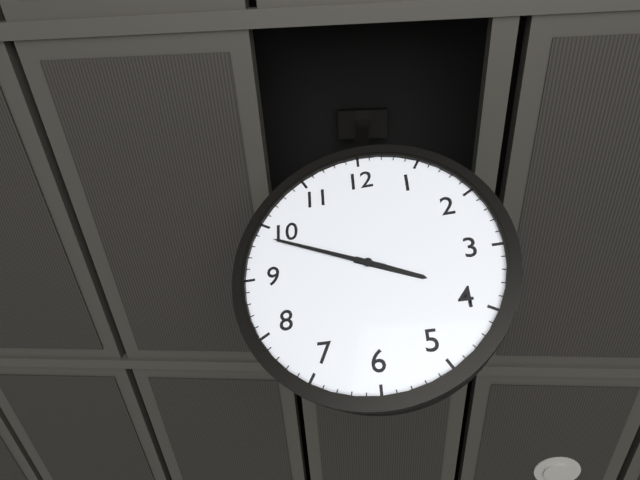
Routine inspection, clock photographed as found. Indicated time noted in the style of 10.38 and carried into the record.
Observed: 3.49
